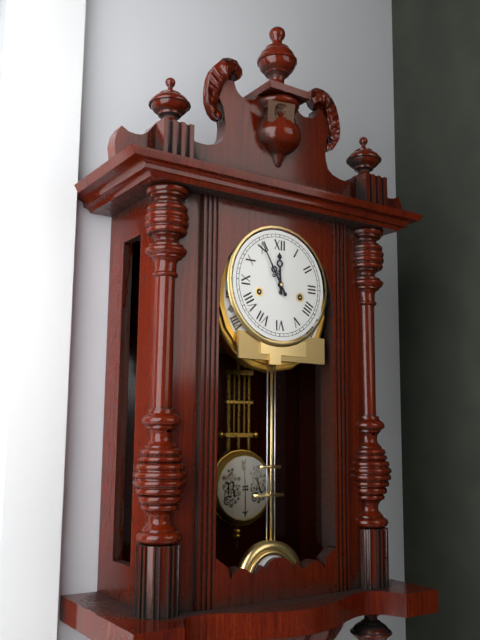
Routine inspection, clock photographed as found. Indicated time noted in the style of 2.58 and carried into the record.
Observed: 11.55
